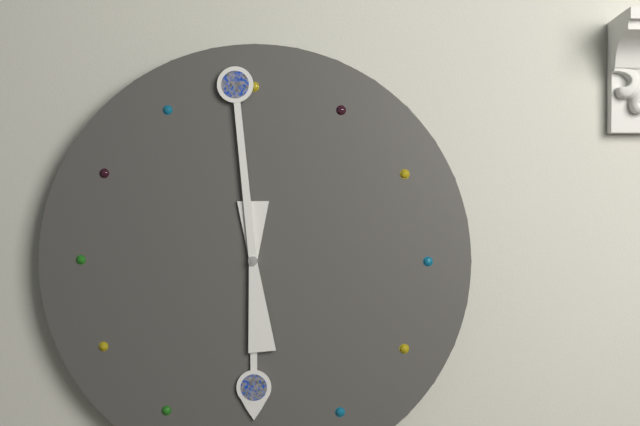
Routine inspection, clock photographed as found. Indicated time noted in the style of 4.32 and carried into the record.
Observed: 5.59
